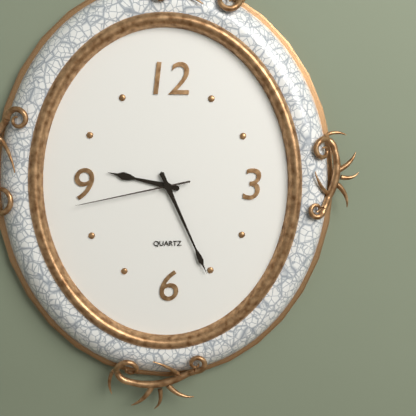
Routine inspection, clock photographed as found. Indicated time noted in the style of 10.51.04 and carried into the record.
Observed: 9.26.43
